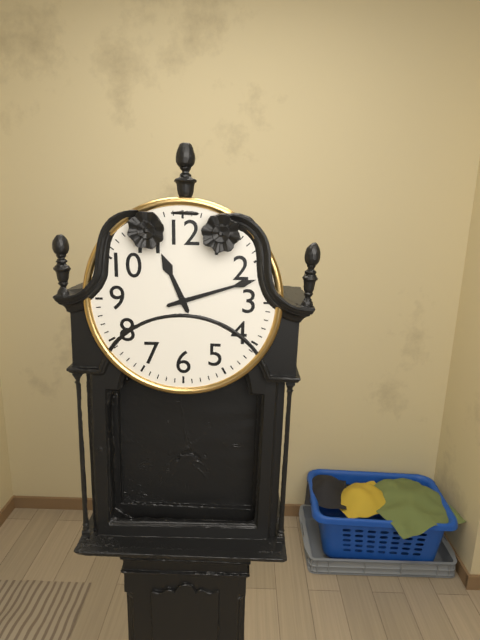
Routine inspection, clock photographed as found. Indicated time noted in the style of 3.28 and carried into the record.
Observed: 11.12
